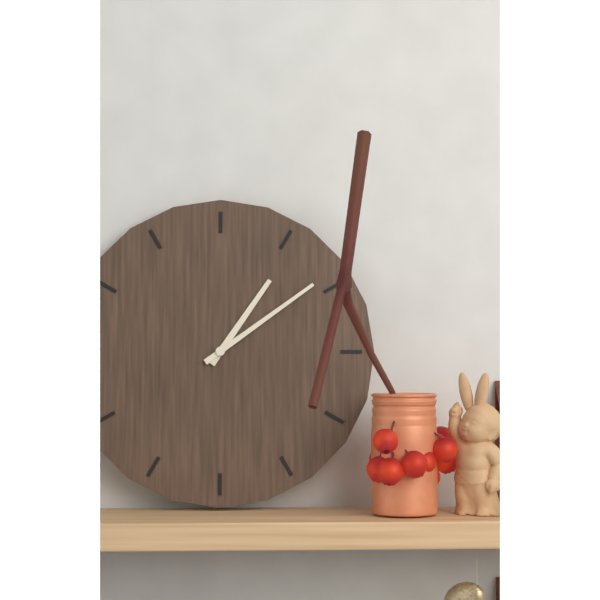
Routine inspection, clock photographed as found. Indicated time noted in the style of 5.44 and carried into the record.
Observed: 1.09
